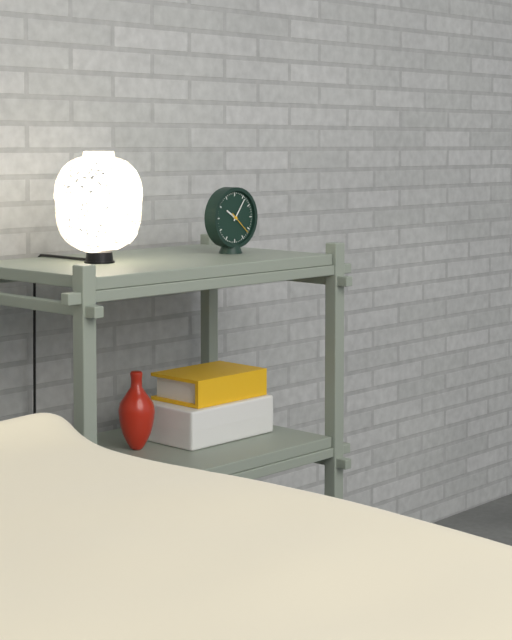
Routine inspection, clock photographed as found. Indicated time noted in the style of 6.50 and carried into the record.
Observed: 10.06
